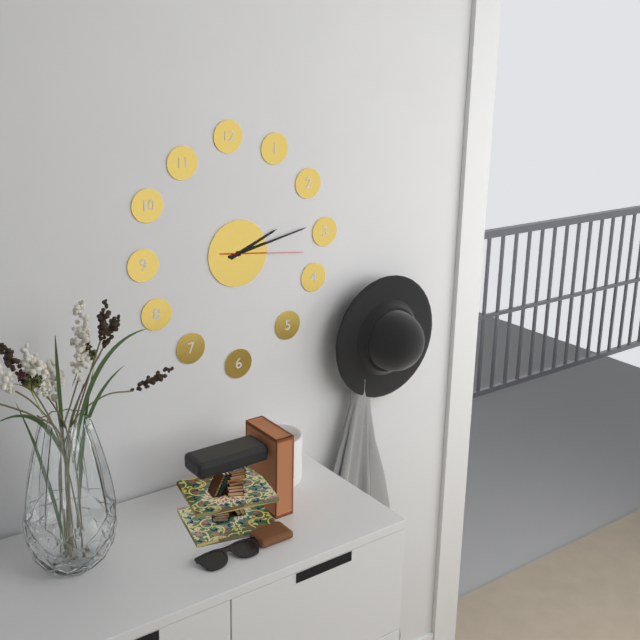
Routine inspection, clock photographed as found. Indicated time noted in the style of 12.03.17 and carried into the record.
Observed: 2.13.16
